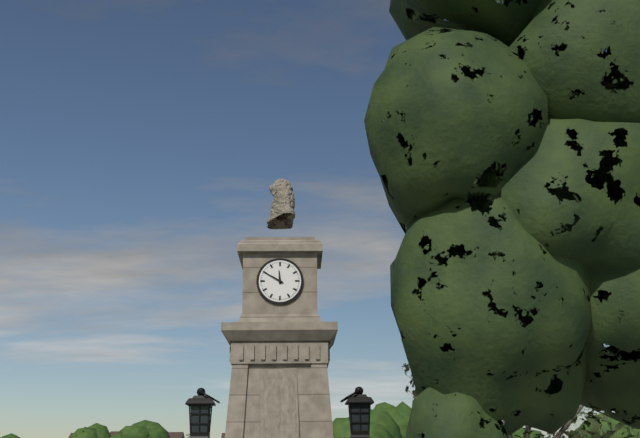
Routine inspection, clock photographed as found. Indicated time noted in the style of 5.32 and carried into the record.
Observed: 11.50
